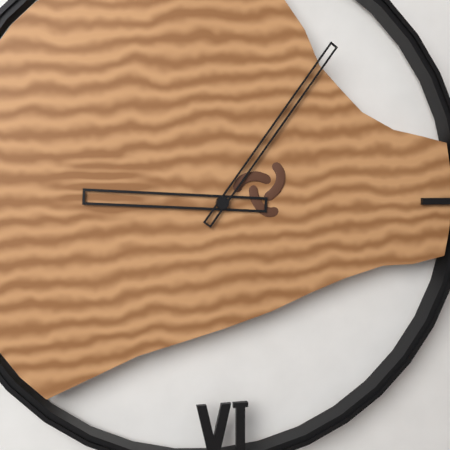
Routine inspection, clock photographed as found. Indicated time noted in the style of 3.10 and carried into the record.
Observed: 9.06
